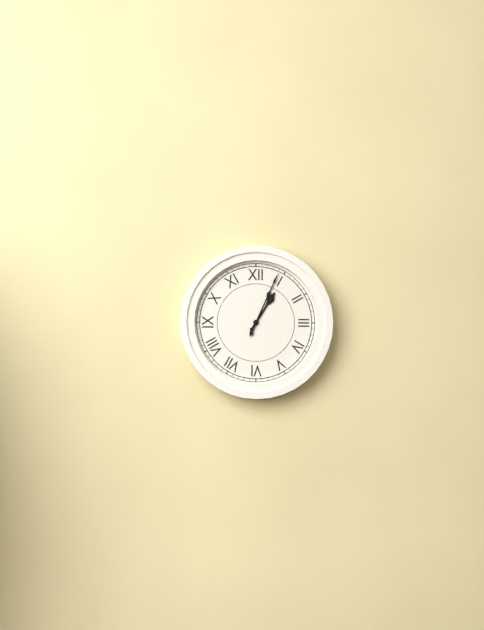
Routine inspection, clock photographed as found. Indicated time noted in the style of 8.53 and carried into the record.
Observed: 1.04
